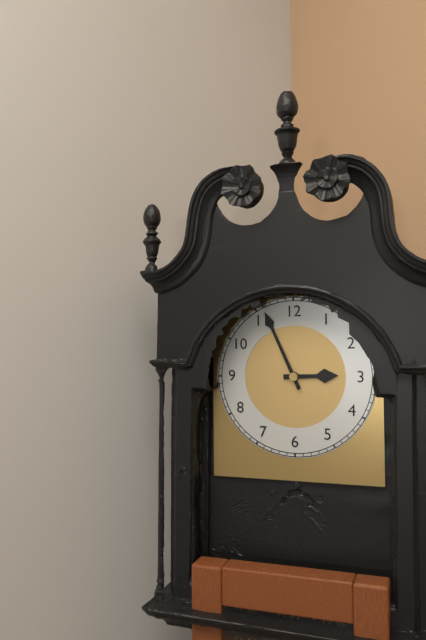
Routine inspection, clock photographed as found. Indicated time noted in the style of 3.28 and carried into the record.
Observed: 2.56
